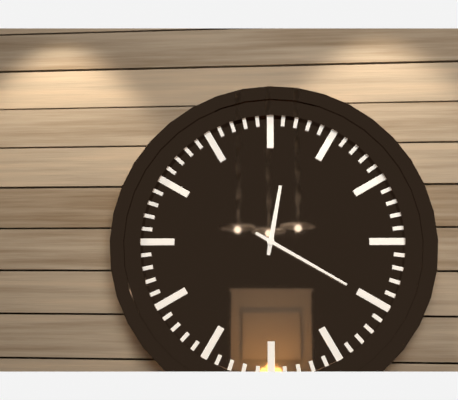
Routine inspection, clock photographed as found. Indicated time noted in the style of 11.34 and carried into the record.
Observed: 12.20
